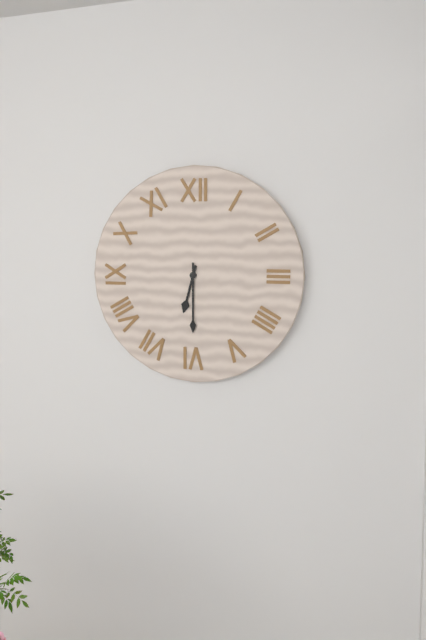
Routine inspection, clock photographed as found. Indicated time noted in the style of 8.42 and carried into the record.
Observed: 6.30
